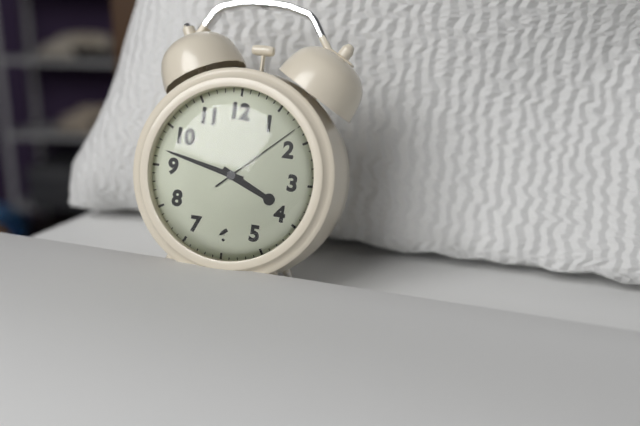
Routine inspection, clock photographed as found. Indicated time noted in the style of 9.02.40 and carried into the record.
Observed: 3.47.08
